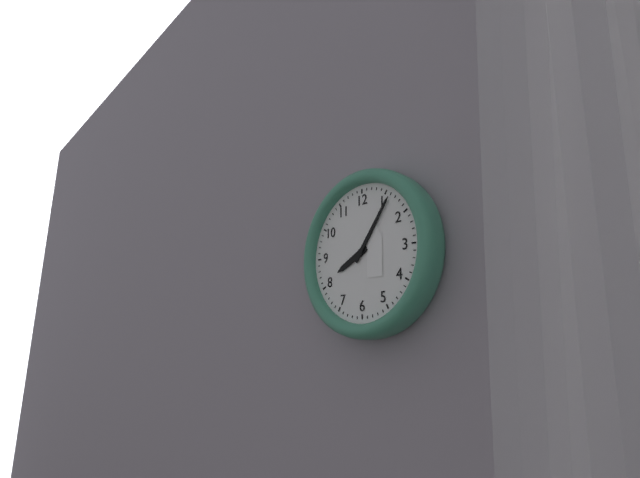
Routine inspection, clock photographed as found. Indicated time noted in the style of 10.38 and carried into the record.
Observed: 8.06
